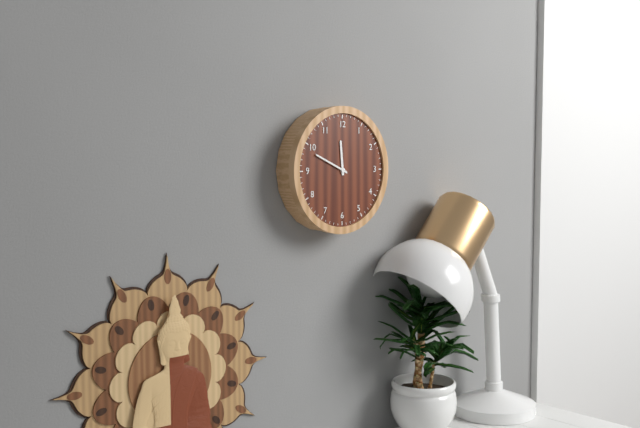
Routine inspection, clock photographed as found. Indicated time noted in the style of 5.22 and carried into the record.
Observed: 11.49
